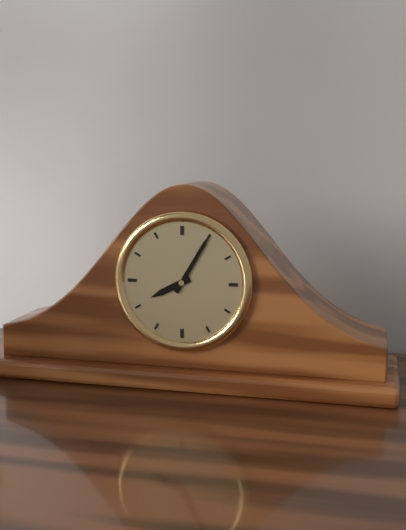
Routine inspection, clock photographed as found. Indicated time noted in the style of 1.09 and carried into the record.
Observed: 8.05
